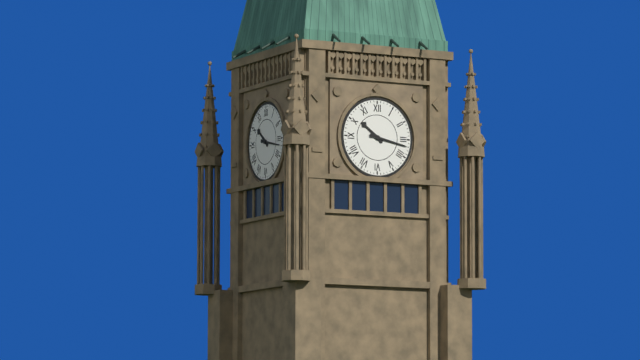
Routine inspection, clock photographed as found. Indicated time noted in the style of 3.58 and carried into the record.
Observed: 10.17
